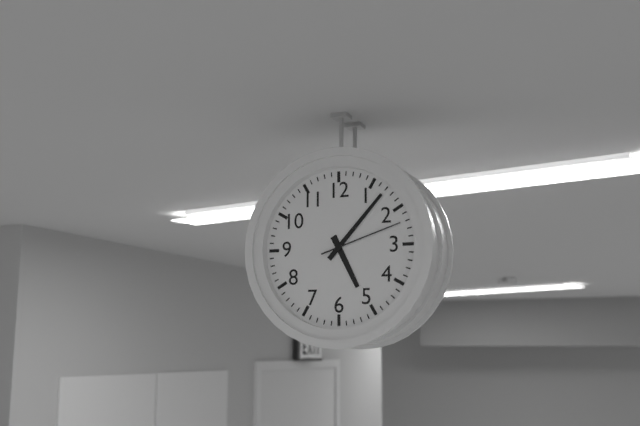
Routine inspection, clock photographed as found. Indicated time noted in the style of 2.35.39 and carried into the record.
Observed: 5.07.12
